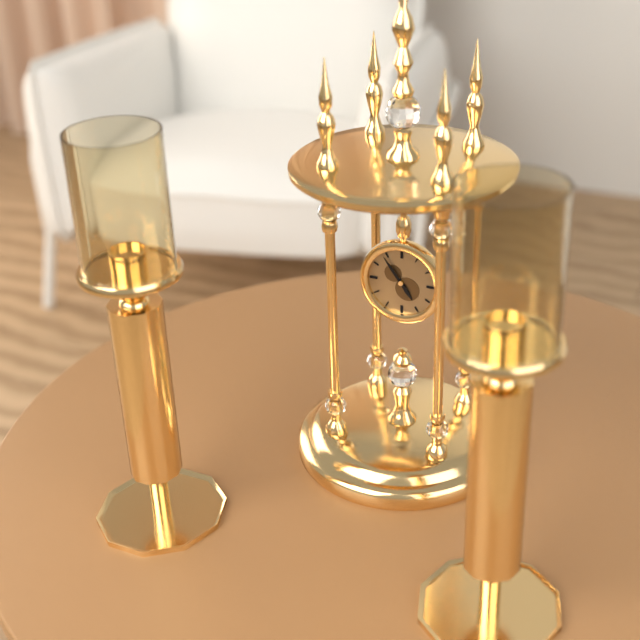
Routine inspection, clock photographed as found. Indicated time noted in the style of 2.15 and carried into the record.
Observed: 4.54
